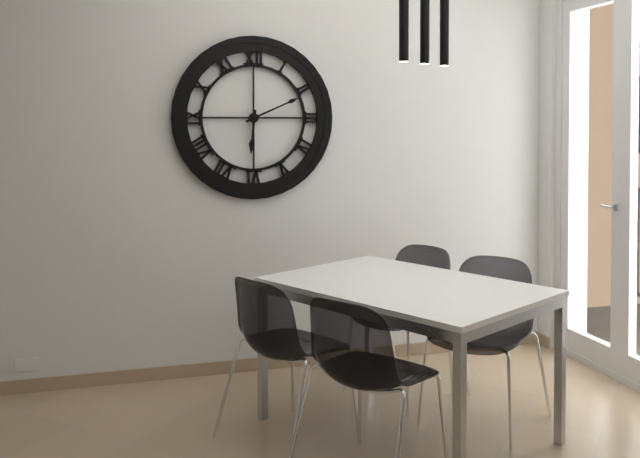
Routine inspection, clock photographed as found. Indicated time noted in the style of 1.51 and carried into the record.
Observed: 6.11
